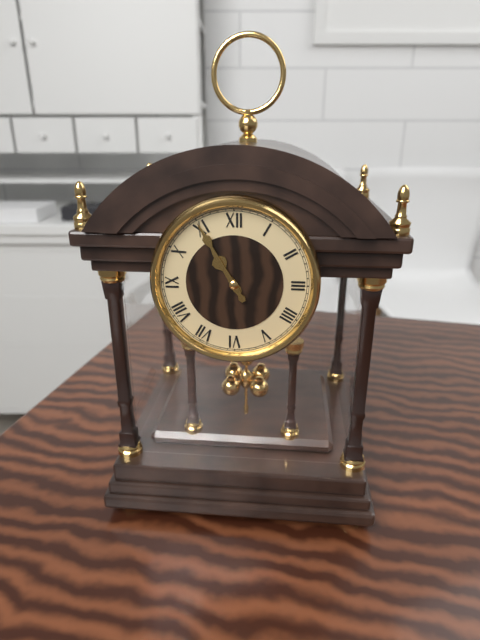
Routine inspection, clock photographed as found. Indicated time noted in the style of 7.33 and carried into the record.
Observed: 10.55
